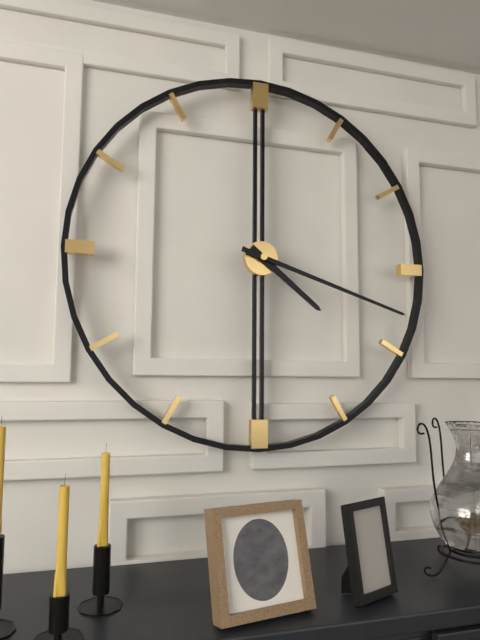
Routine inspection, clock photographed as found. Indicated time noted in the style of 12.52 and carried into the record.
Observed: 4.18
